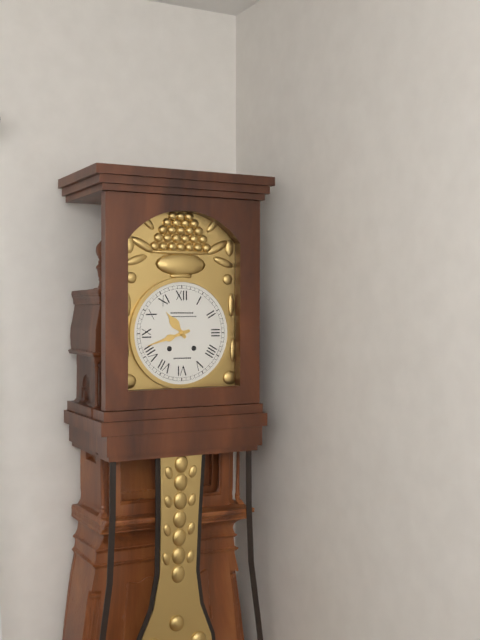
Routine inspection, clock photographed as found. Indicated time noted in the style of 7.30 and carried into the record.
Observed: 10.42
